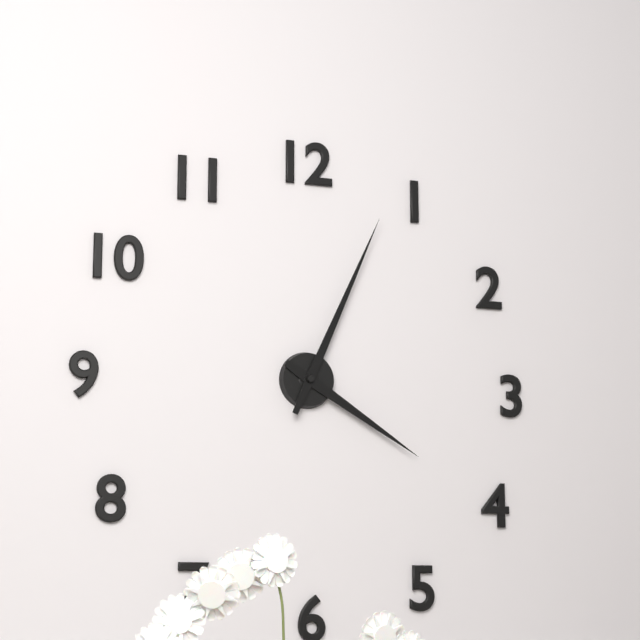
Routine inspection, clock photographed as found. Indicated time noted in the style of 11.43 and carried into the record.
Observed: 4.04
